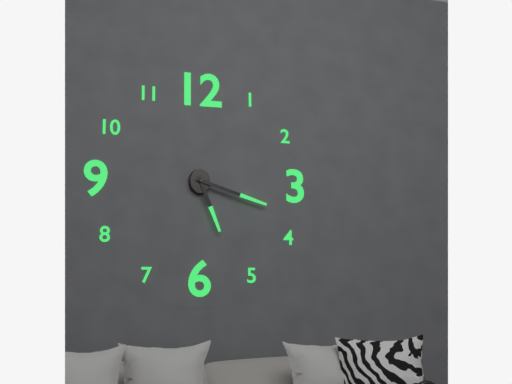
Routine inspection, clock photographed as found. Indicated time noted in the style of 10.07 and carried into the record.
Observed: 5.18
